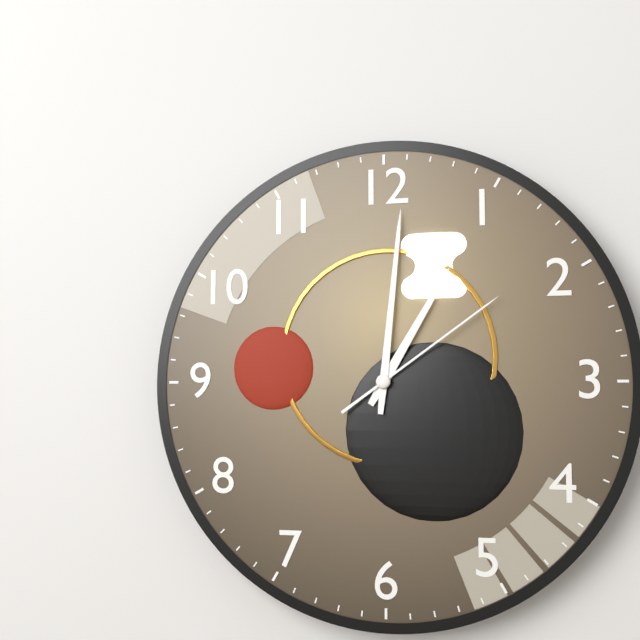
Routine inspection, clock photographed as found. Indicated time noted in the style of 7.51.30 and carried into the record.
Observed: 1.01.09
